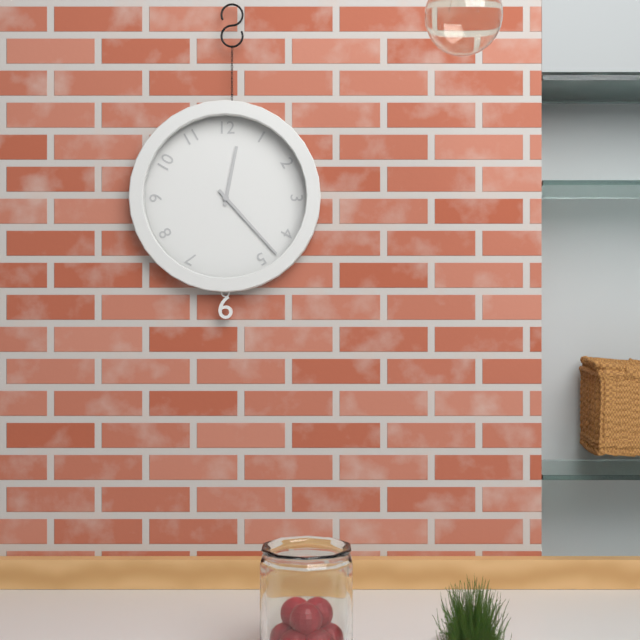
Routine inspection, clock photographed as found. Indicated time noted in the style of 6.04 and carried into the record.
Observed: 12.23
